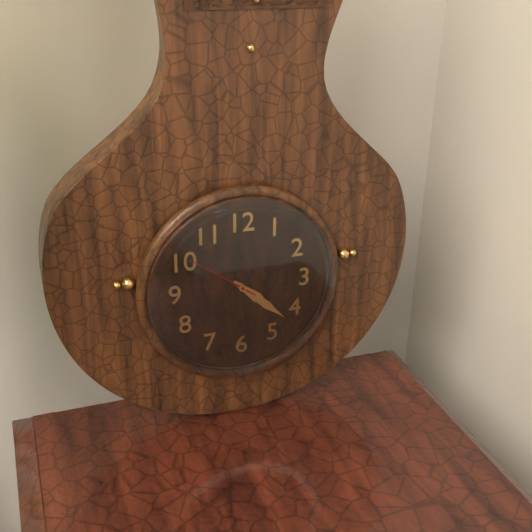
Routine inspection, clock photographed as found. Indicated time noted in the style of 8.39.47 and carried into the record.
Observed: 4.22.51
